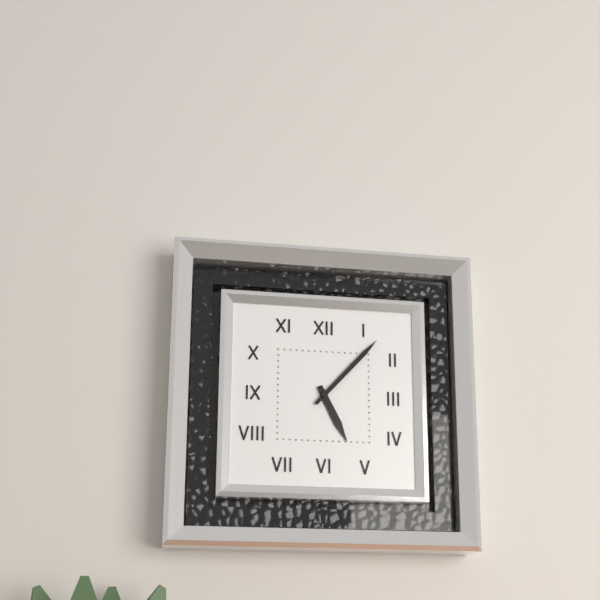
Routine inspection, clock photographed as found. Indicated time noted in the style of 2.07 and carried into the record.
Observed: 5.07
